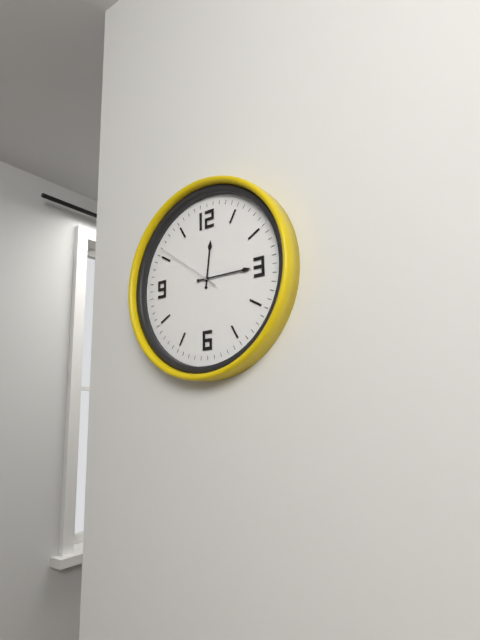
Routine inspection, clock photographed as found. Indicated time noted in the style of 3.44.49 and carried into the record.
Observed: 12.15.51
